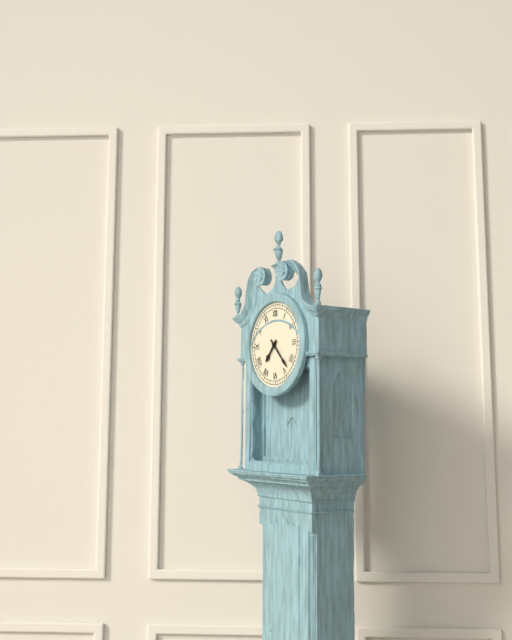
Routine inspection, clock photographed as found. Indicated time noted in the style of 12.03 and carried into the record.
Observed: 7.23
